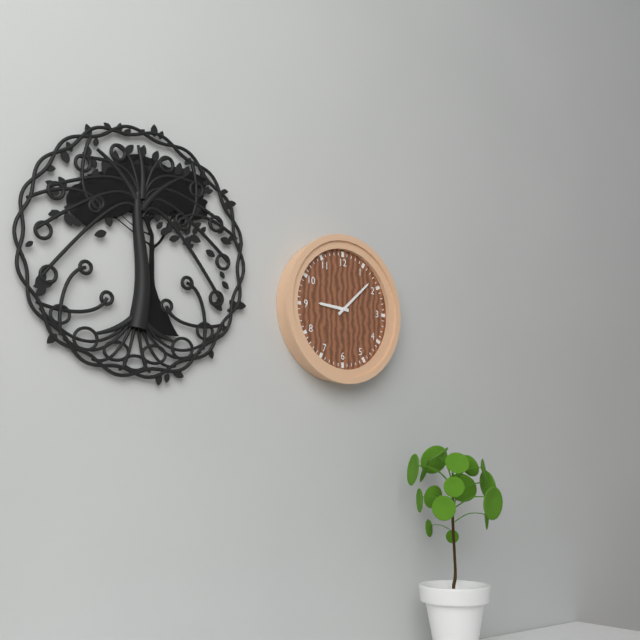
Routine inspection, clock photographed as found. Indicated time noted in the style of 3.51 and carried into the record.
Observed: 9.08
